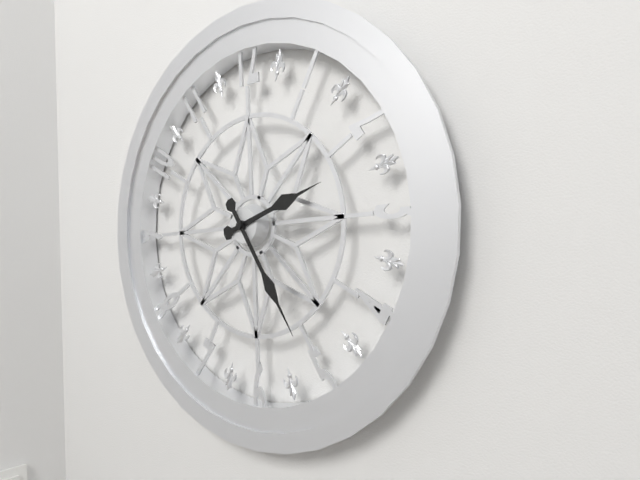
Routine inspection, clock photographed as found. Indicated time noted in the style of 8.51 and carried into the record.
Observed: 2.25
